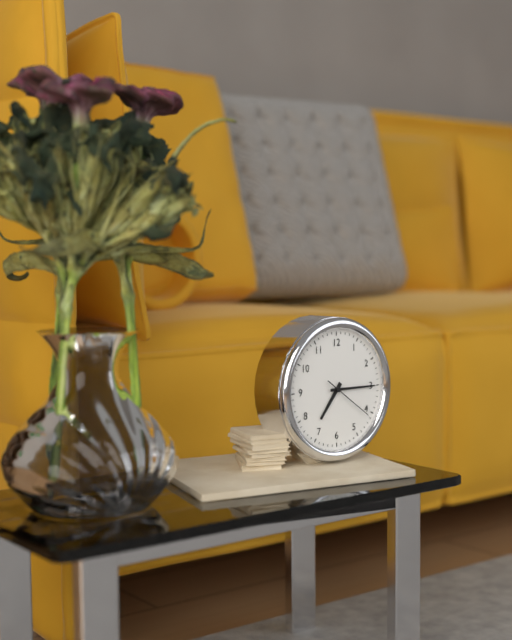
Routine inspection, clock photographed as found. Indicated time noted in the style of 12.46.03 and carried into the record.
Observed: 7.15.21
